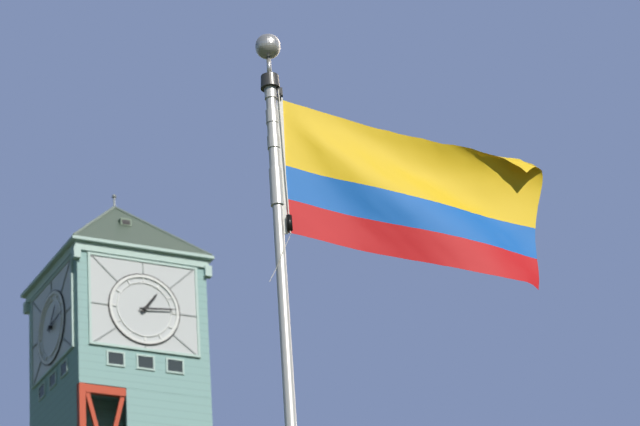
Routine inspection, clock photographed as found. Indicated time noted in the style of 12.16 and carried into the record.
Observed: 1.14
